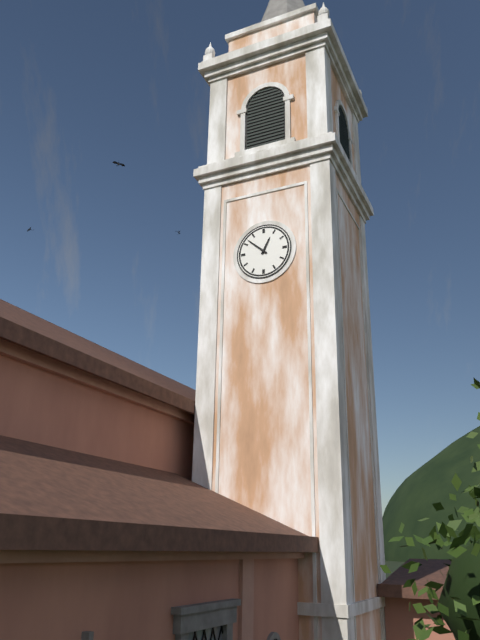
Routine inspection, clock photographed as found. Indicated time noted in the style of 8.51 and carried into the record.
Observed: 12.52
